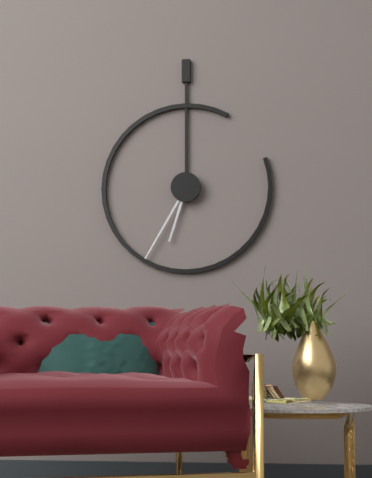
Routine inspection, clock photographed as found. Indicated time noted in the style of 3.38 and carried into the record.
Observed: 6.35
